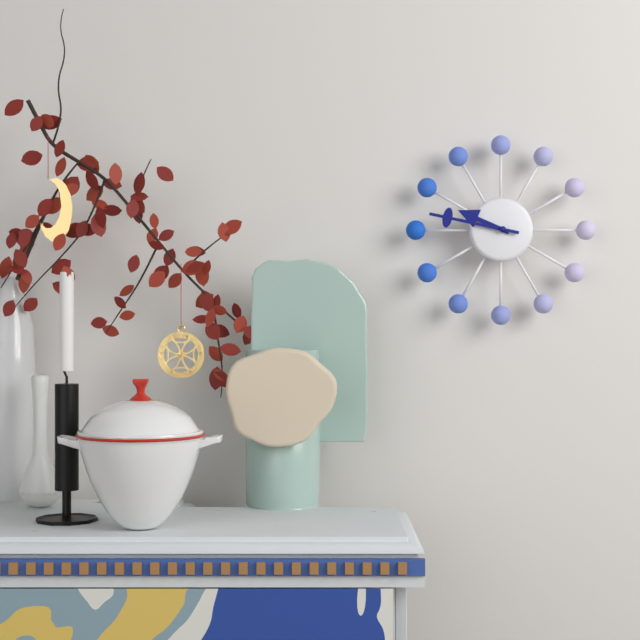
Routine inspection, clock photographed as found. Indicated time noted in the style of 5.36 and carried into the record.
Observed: 9.47
